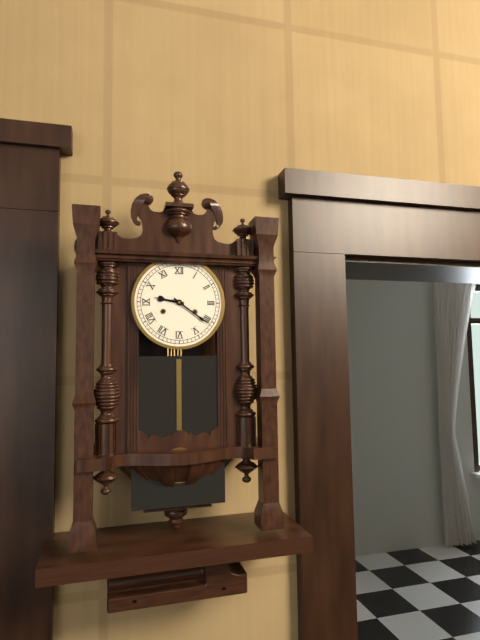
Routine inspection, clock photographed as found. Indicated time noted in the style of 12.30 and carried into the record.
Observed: 9.21
